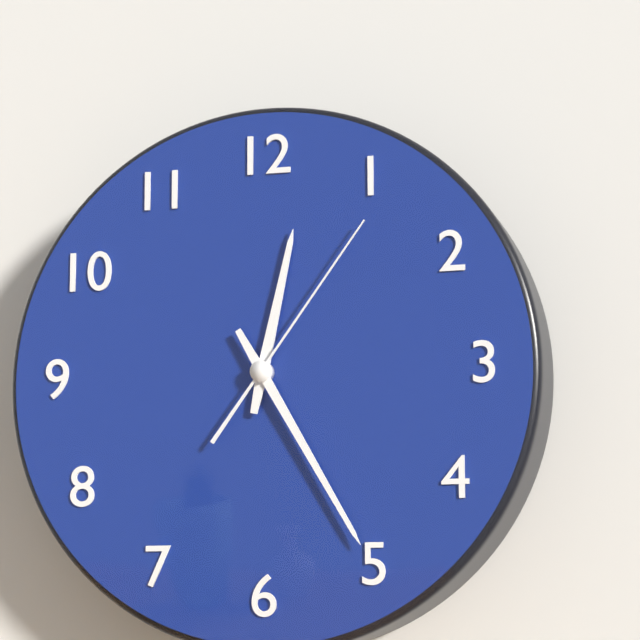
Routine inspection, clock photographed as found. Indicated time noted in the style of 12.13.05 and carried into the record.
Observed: 12.25.06
